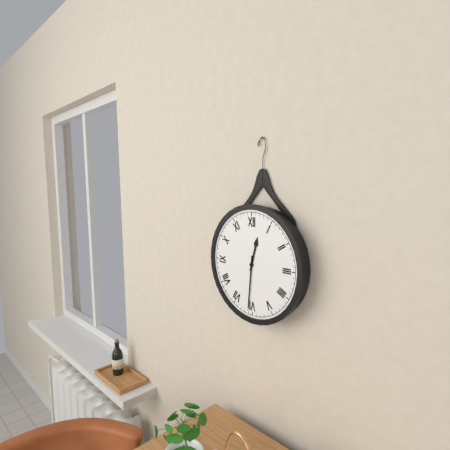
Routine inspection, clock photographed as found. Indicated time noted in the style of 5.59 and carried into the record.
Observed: 12.31
